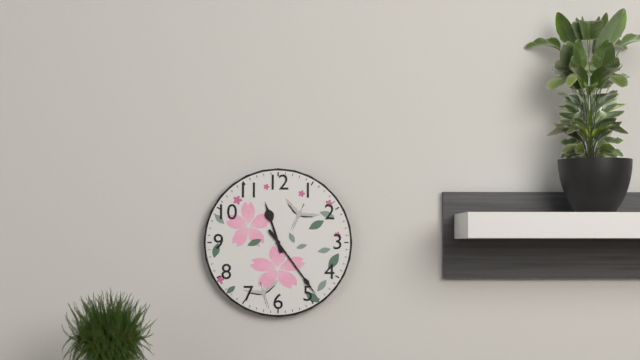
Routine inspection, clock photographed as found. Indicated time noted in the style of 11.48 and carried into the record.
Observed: 11.24
